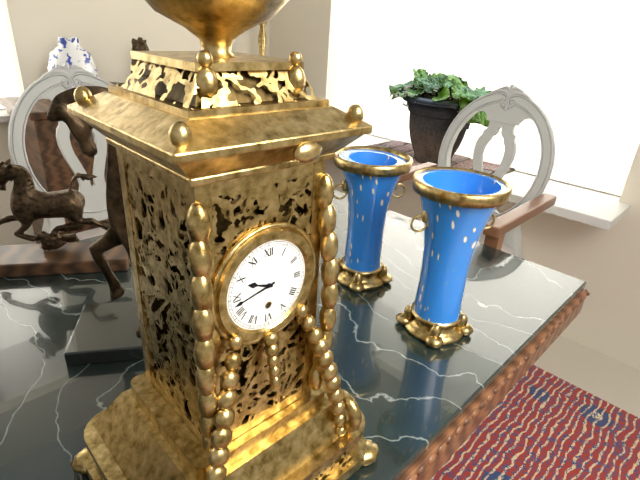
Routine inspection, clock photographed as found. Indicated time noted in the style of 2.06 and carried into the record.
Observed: 9.43
